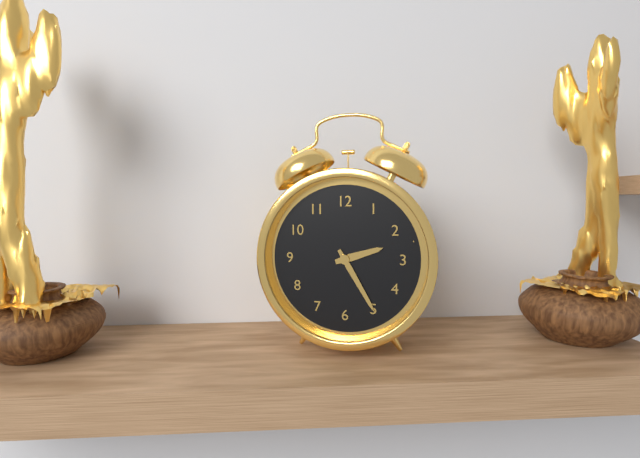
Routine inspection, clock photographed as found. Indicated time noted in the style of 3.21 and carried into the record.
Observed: 2.25
